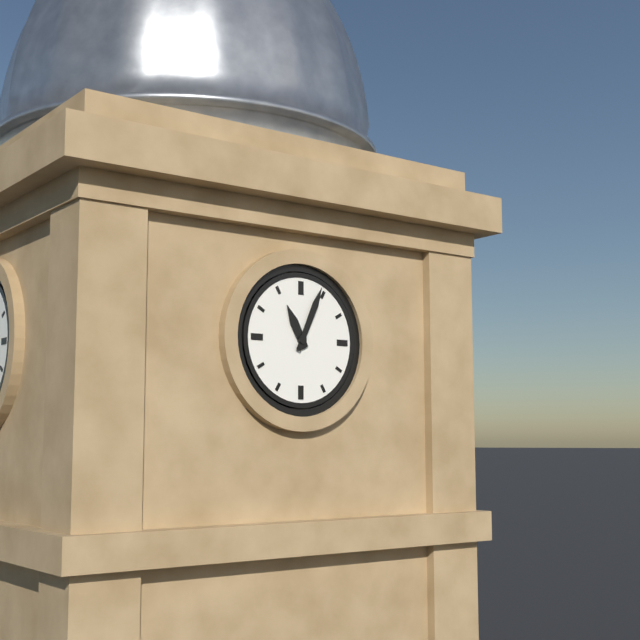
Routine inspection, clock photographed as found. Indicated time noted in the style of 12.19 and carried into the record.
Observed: 11.04
